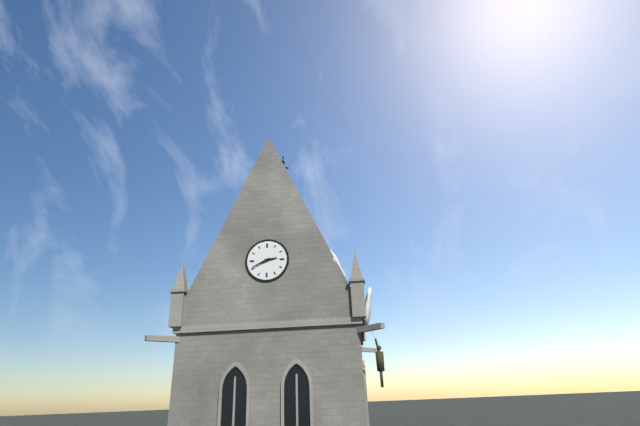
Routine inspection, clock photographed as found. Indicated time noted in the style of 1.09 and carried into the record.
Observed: 2.41
